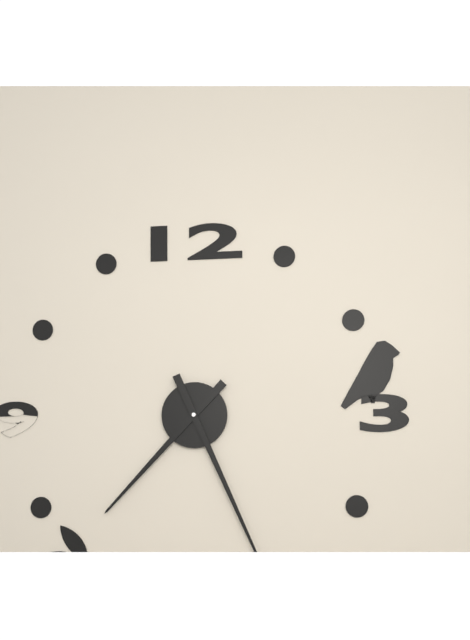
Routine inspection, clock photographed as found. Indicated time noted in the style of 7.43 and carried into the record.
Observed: 7.26
